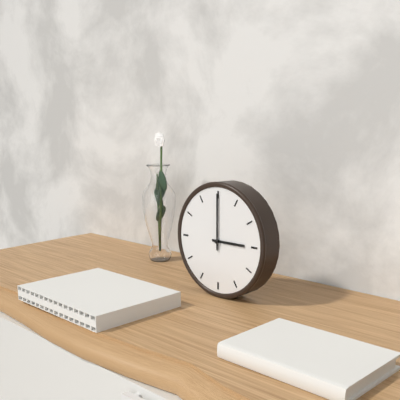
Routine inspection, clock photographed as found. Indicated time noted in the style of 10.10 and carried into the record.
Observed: 3.00
